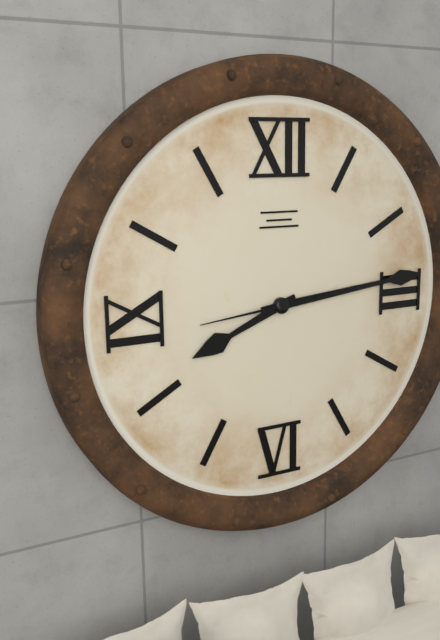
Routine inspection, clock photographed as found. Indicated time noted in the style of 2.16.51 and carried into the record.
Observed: 8.14.44
